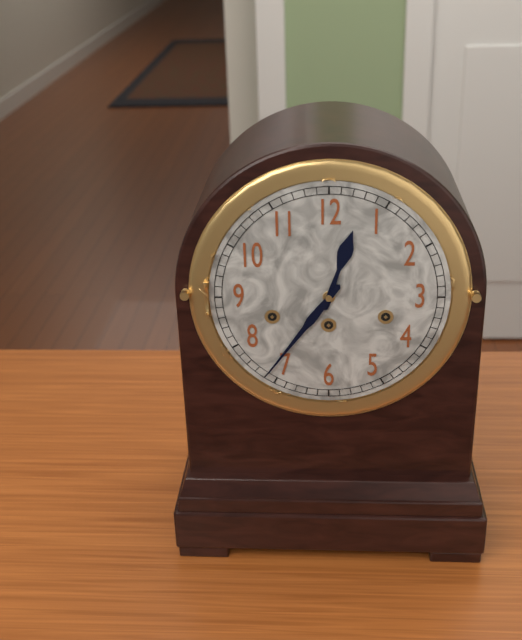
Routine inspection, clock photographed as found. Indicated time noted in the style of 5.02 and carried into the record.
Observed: 12.36
